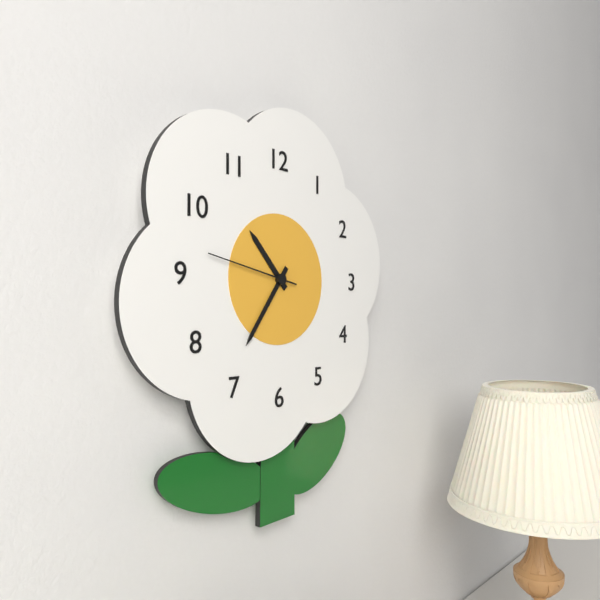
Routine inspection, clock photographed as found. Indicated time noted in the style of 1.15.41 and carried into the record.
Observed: 10.36.47
